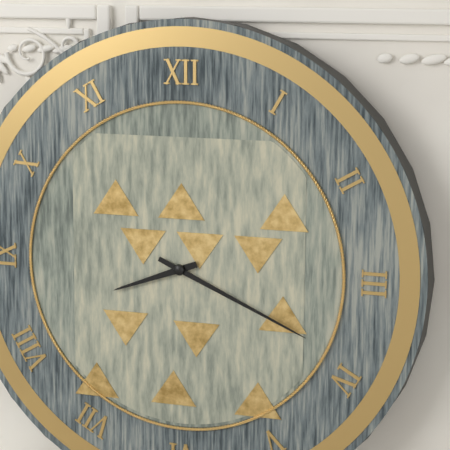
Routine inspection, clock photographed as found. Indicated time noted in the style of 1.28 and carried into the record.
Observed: 8.19
